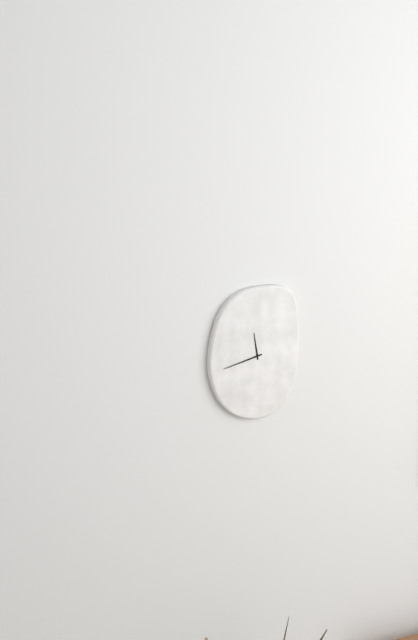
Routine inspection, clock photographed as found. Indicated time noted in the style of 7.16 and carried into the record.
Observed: 11.43
